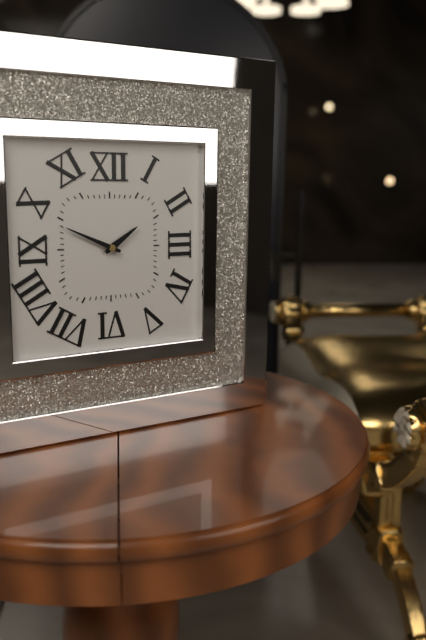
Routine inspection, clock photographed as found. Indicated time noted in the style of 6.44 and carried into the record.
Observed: 1.49
